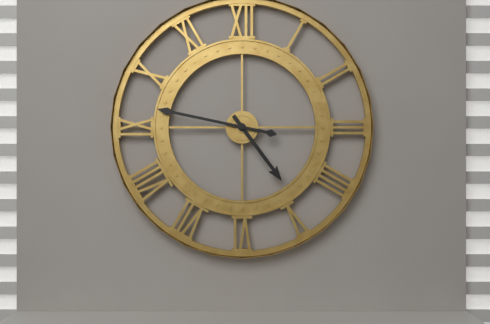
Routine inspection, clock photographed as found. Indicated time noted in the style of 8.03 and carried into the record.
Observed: 4.47
